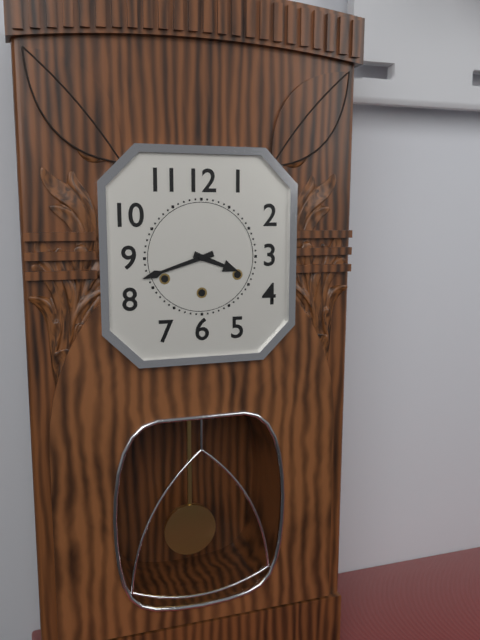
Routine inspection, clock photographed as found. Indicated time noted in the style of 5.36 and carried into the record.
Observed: 3.42
